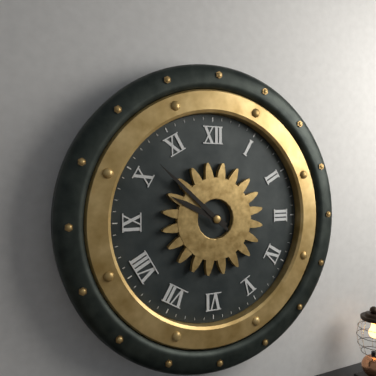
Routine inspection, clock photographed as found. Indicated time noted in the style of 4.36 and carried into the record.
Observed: 9.52
